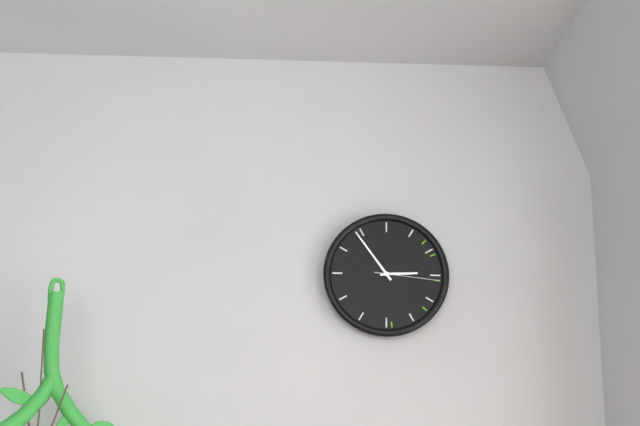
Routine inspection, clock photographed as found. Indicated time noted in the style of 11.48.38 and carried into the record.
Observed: 2.54.16
